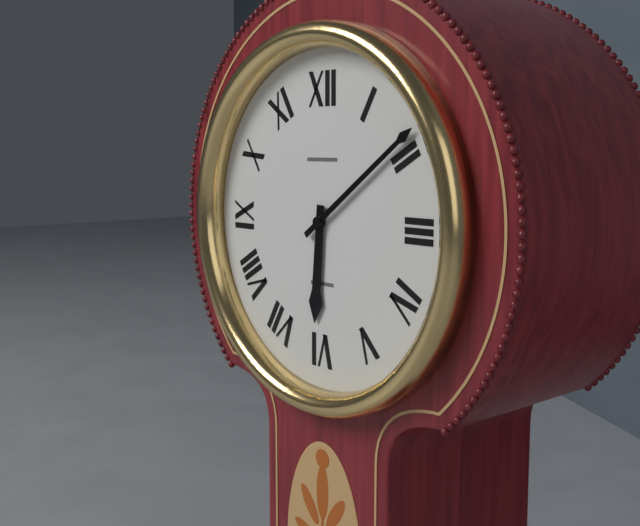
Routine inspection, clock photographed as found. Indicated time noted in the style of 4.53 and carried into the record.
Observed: 6.09
